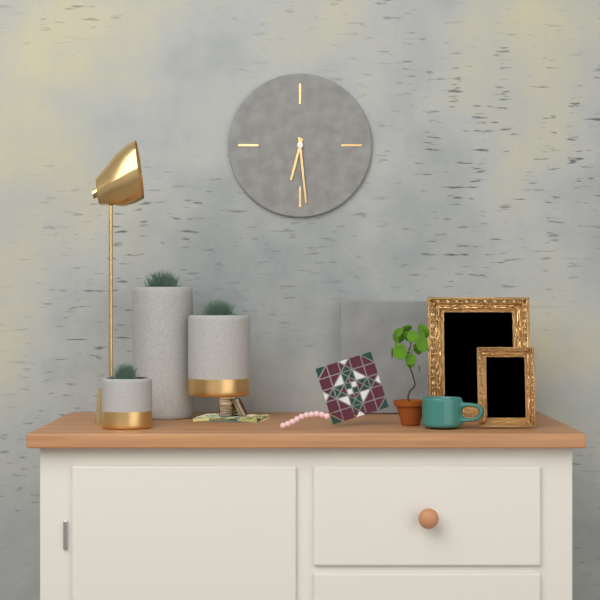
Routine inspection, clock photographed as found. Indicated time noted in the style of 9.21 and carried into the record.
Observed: 6.29
